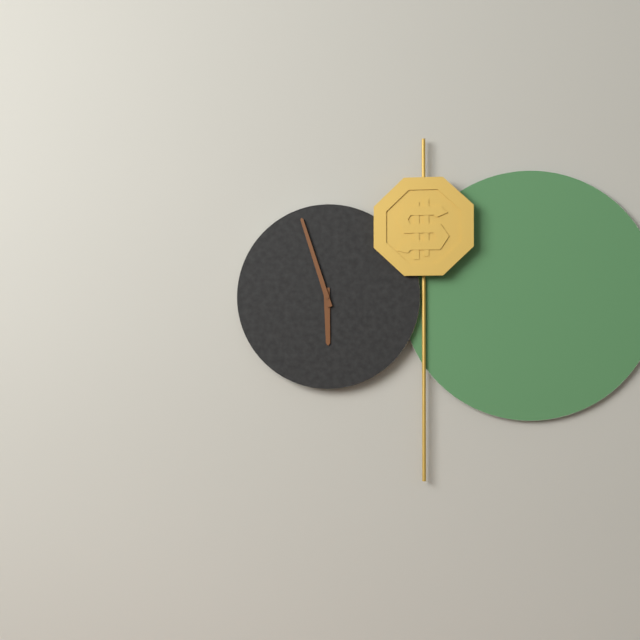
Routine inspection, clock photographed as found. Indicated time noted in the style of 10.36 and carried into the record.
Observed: 5.57
